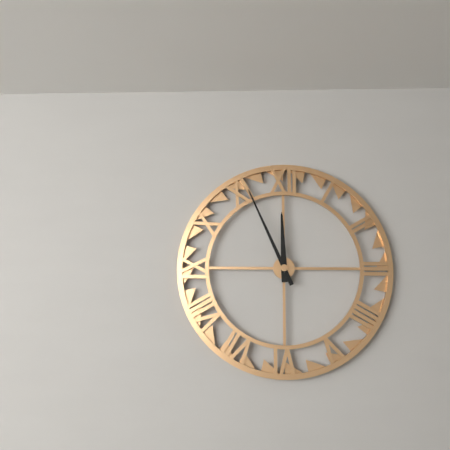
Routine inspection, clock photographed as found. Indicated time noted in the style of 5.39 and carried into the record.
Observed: 11.56
